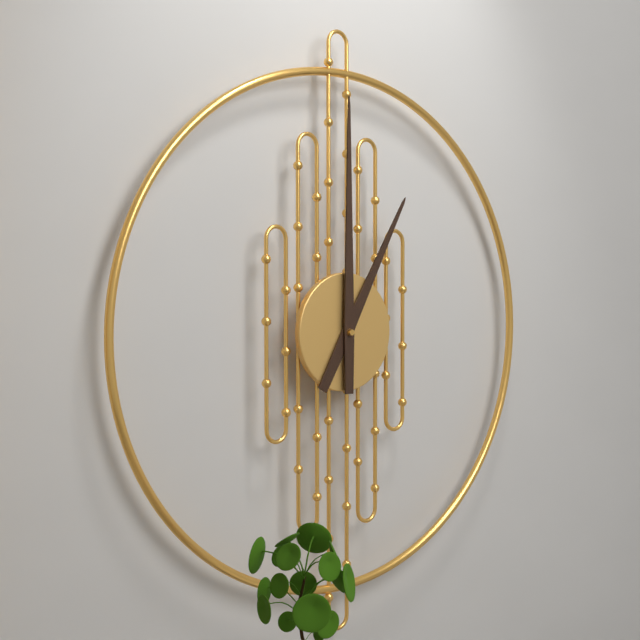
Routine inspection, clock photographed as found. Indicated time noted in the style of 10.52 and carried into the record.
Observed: 1.00
